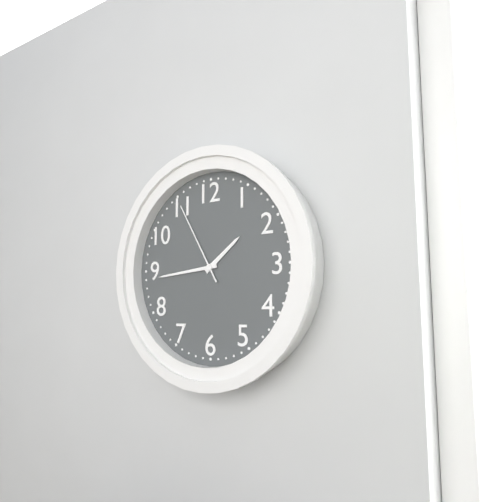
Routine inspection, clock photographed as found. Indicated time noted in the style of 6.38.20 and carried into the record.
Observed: 1.44.55
